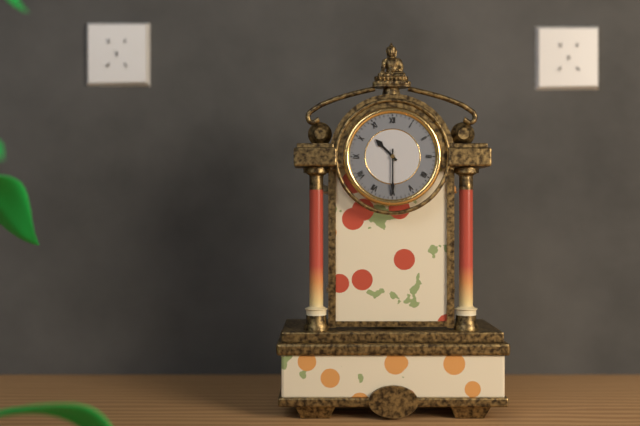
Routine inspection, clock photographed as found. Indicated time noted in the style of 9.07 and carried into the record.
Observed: 10.30
